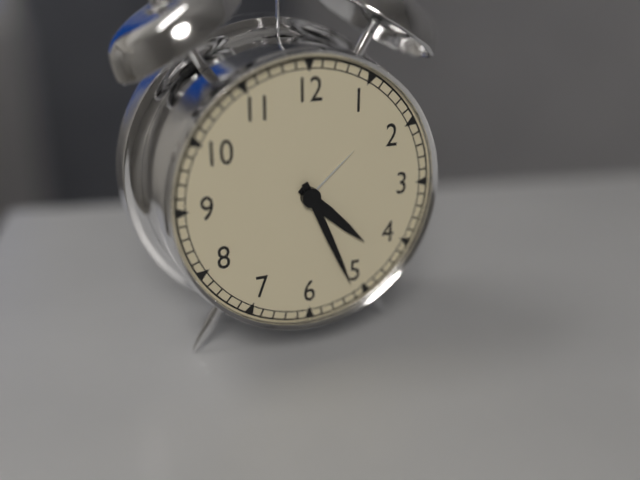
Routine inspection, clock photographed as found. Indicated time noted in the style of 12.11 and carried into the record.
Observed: 4.26
